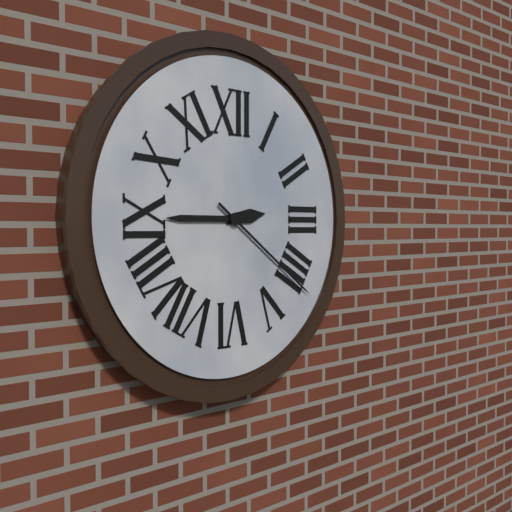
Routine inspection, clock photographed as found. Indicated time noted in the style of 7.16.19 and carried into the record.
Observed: 2.45.21
